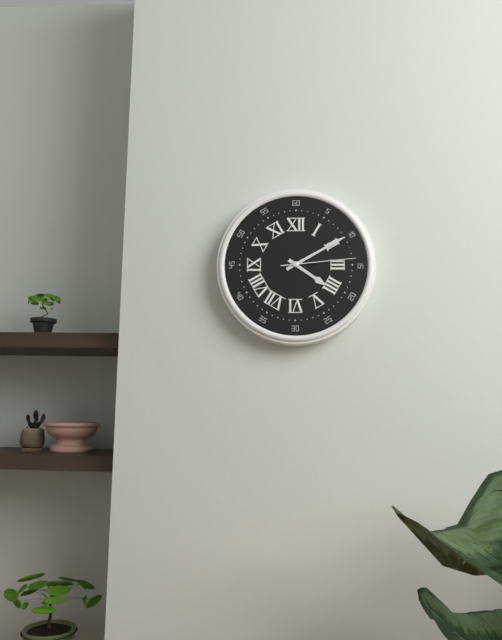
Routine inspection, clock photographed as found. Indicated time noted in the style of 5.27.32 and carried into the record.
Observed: 4.10.14
